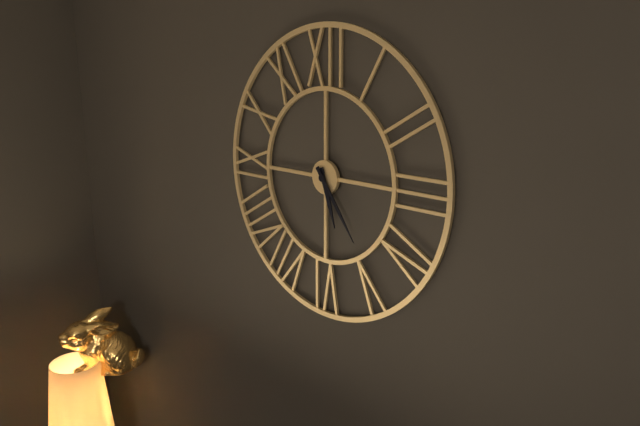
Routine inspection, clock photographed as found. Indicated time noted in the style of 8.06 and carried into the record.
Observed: 5.24
